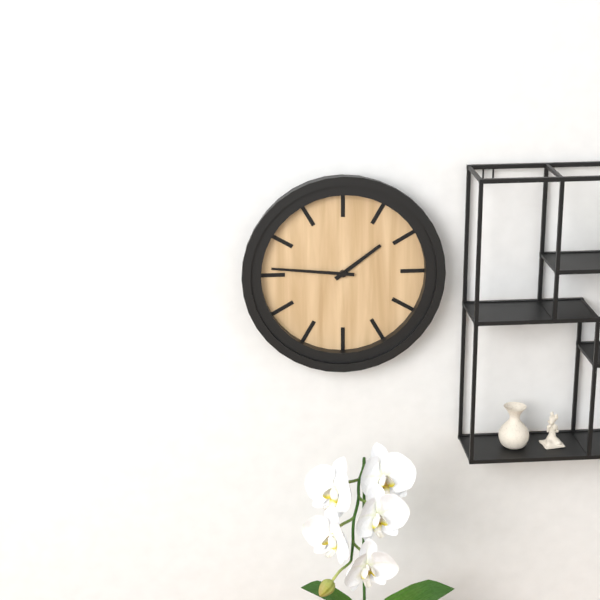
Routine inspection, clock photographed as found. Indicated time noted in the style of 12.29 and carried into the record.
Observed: 1.46
